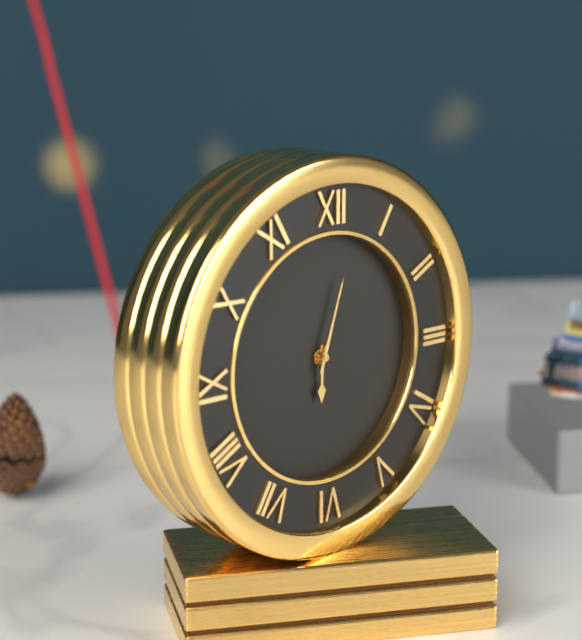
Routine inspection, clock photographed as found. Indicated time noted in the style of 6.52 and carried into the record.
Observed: 6.03
